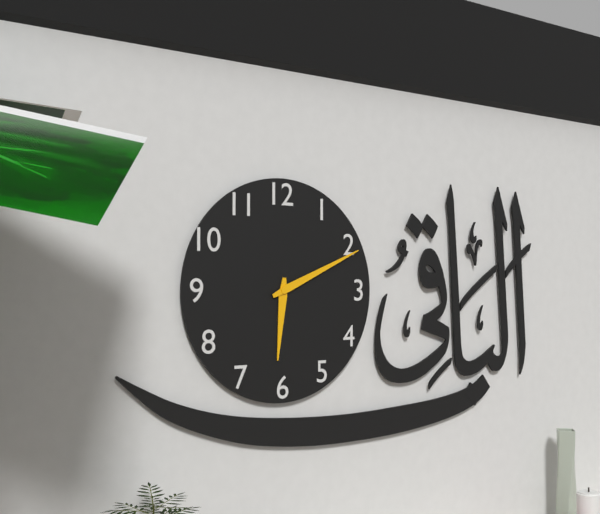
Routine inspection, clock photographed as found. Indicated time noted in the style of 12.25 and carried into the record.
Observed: 6.11
